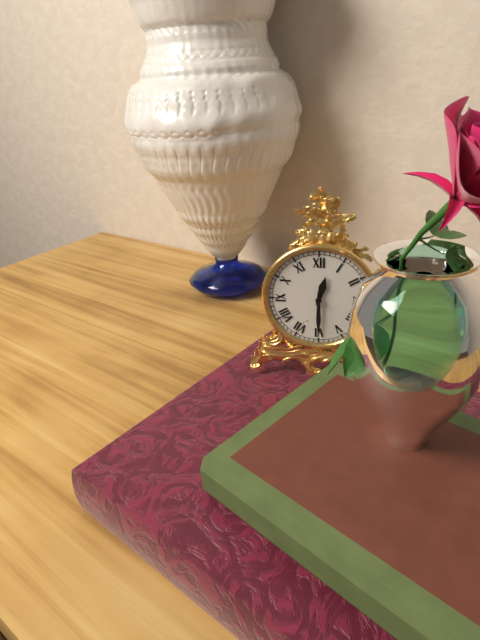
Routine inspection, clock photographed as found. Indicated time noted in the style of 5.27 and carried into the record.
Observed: 12.30
